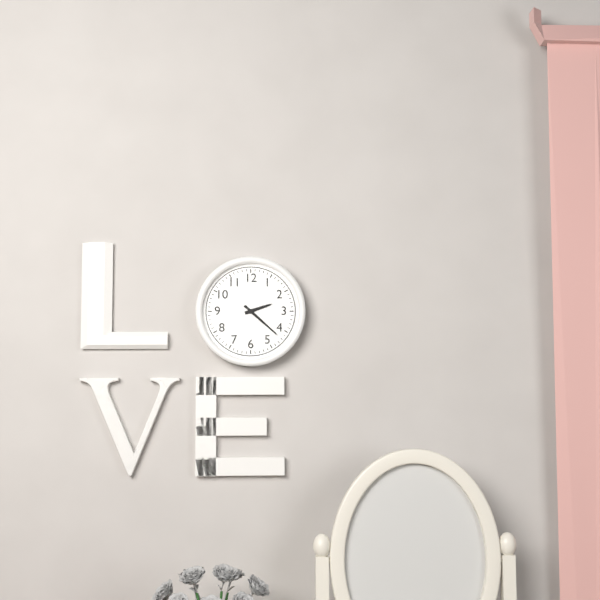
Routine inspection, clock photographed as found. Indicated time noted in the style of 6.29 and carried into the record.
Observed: 2.22
